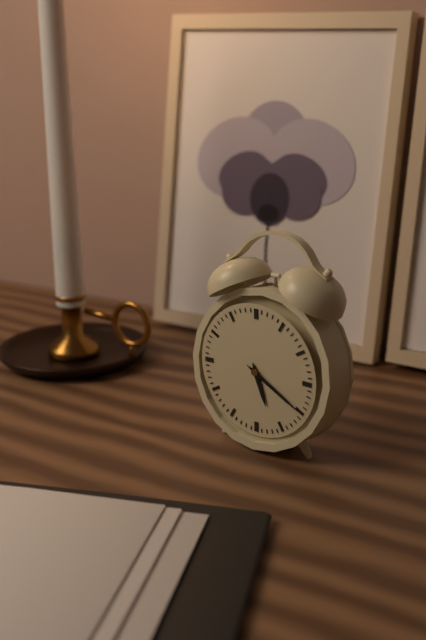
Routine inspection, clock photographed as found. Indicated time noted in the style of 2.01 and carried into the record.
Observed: 5.20
